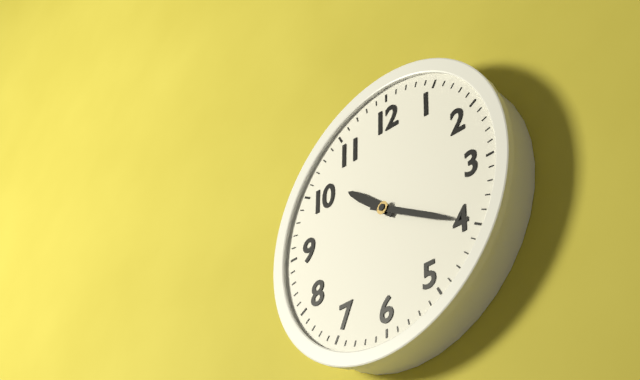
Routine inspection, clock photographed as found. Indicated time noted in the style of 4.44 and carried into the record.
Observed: 10.20
